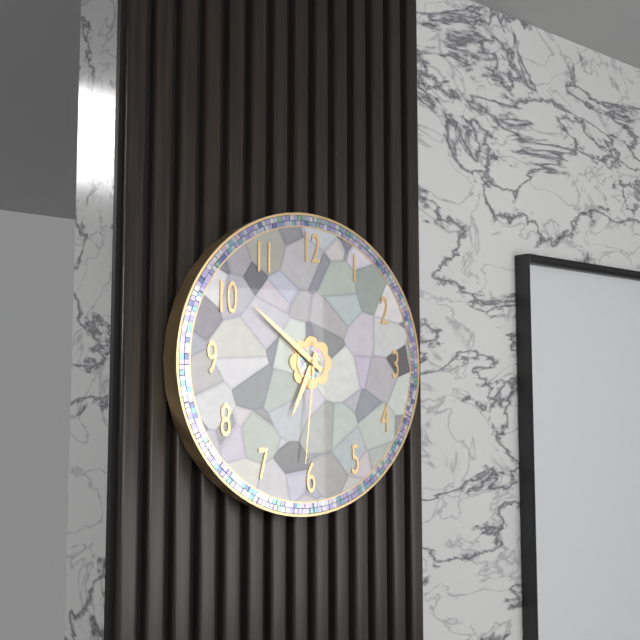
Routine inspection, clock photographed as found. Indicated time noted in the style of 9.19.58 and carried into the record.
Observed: 6.51.31
